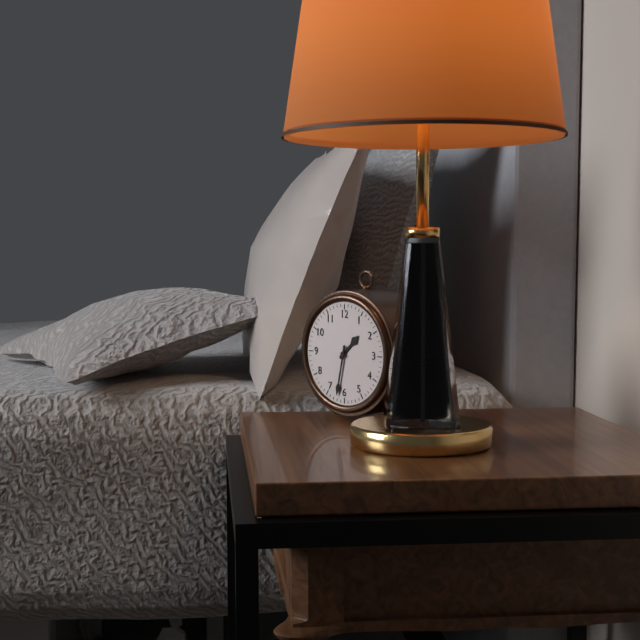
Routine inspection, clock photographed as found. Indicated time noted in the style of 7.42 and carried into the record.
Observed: 1.32
